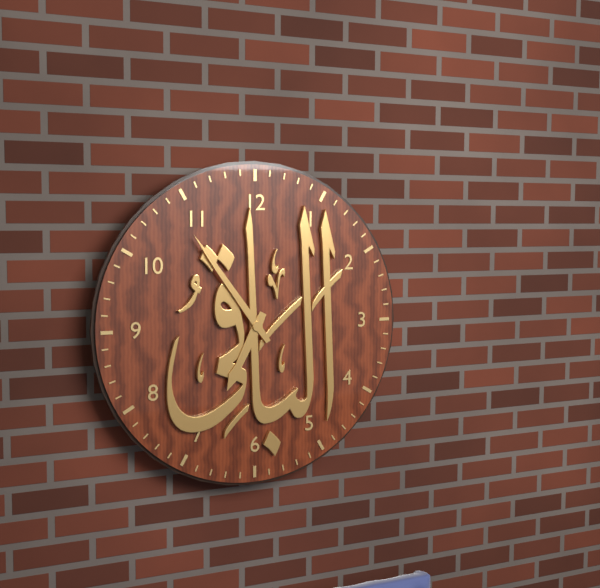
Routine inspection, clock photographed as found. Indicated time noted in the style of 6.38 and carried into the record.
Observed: 6.54
